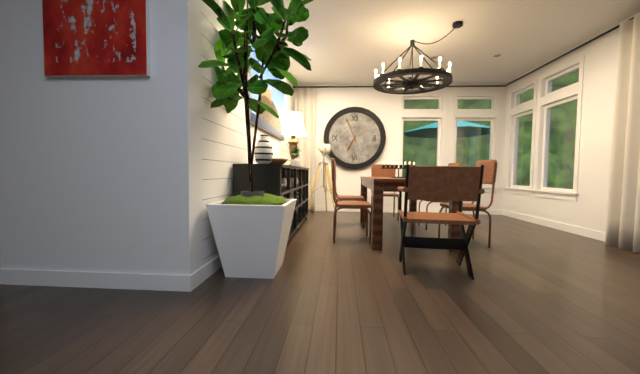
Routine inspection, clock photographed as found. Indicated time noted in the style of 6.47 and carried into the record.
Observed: 6.56
